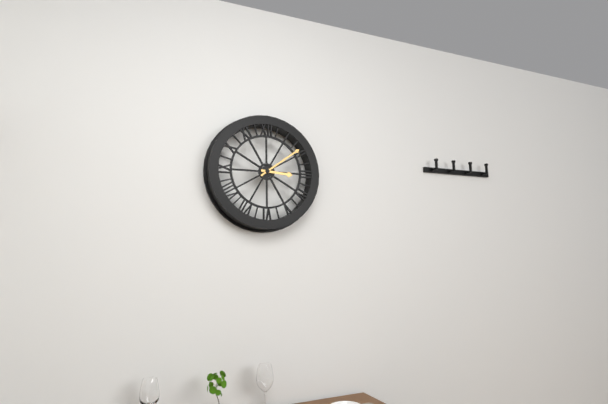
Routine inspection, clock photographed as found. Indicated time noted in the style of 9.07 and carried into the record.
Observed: 3.09
